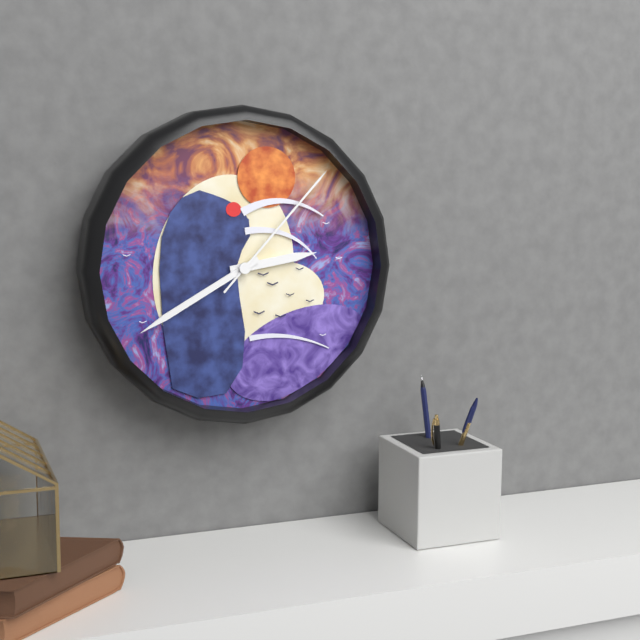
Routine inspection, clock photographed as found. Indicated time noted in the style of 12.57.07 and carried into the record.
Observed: 2.40.07
